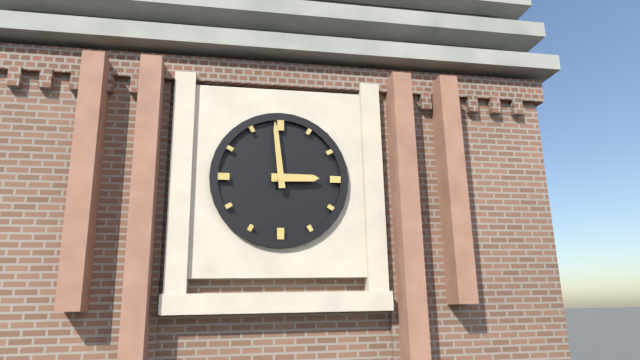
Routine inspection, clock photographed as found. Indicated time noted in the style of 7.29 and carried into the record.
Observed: 2.59
